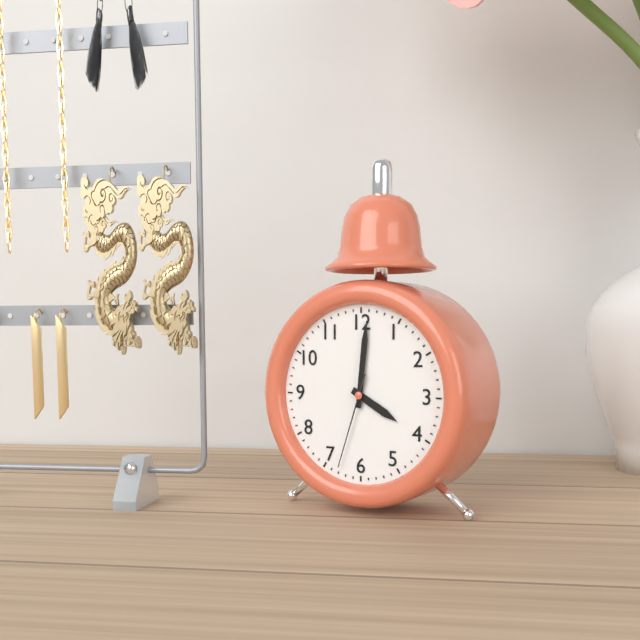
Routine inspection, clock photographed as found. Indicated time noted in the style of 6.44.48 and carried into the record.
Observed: 4.01.33
